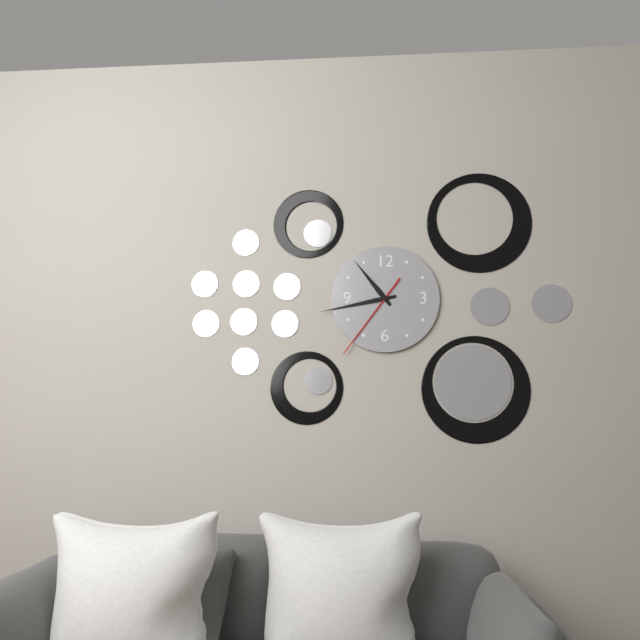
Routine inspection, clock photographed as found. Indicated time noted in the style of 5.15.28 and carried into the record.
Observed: 10.43.36
